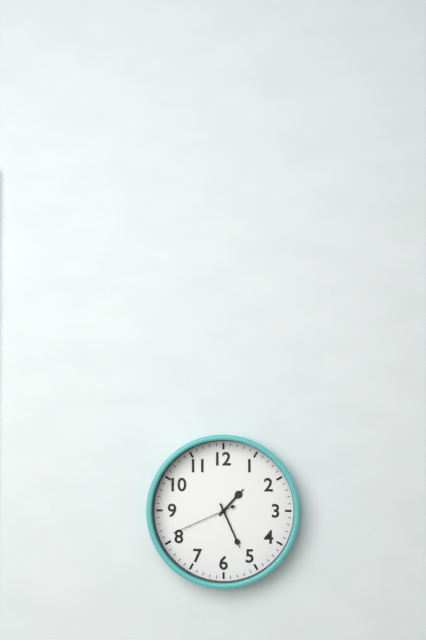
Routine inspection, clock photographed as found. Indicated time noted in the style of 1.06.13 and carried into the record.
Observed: 1.26.41
